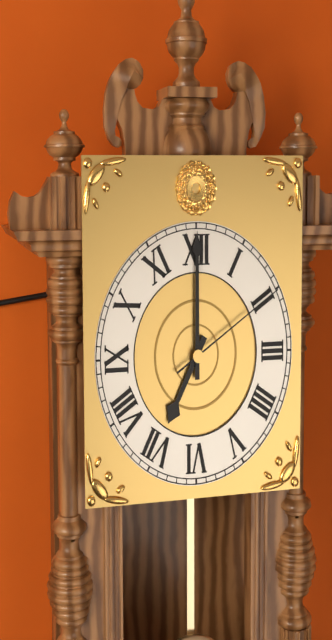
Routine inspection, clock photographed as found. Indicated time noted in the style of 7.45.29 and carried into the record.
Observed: 7.00.10
